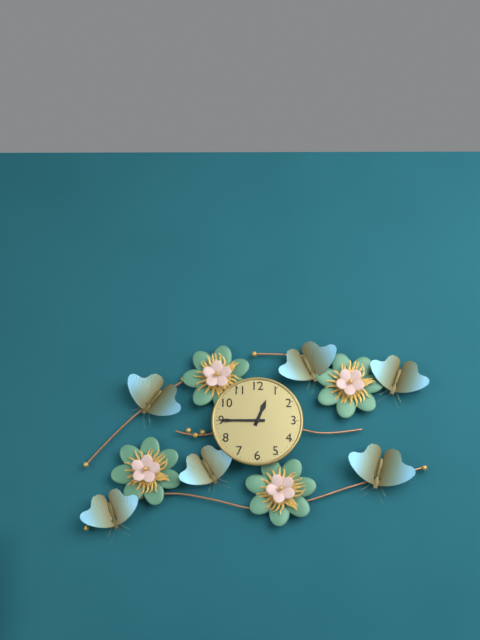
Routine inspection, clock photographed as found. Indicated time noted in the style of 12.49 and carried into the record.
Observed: 12.45
